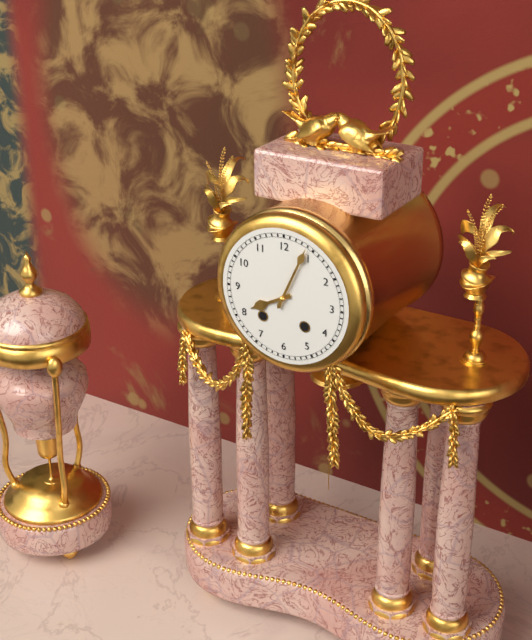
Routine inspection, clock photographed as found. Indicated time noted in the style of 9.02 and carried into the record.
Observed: 8.04
